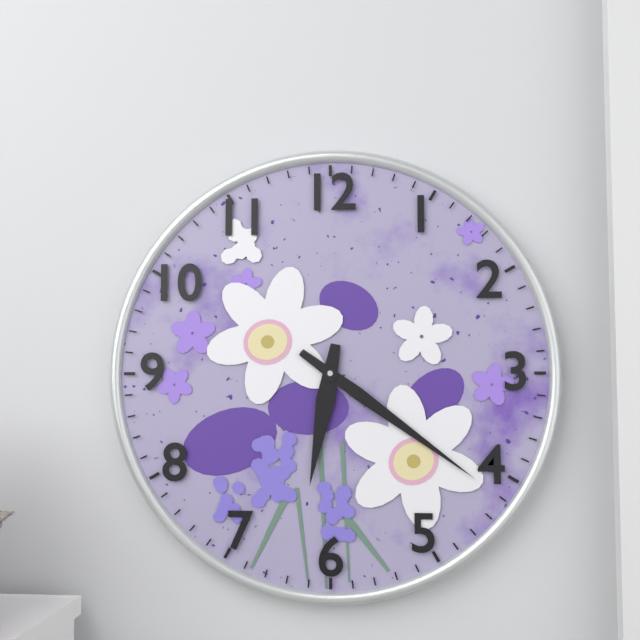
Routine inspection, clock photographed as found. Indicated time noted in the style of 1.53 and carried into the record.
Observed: 6.21
